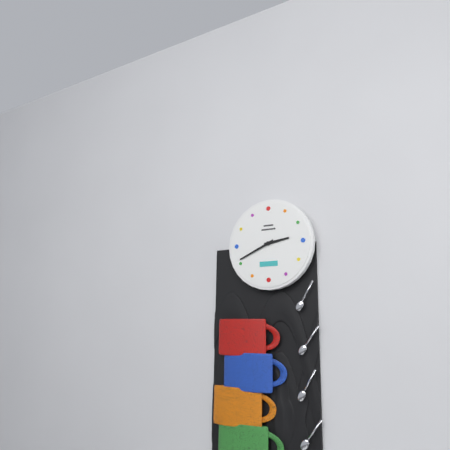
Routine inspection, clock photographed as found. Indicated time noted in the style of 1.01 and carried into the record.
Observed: 2.41
